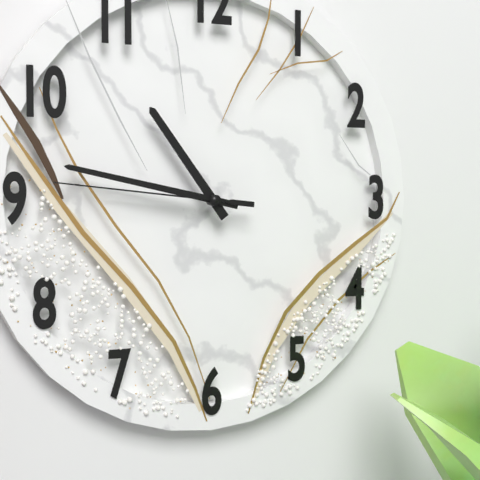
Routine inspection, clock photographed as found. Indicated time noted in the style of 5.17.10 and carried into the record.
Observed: 10.47.46
